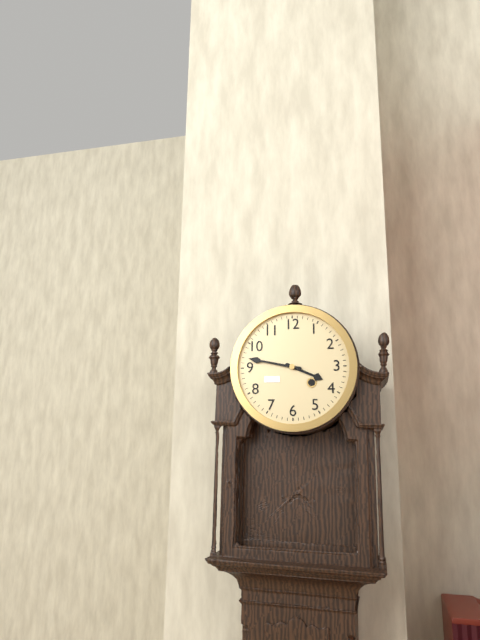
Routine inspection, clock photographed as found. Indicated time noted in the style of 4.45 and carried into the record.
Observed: 3.47
